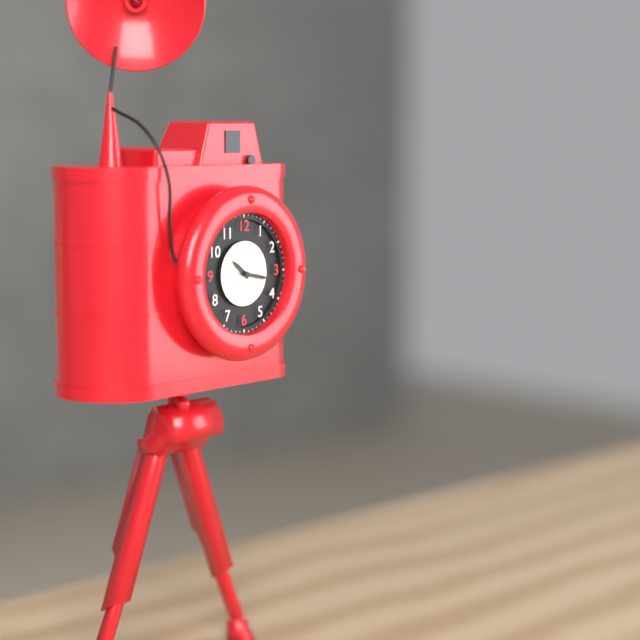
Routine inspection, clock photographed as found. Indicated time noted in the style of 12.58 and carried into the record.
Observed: 10.17
